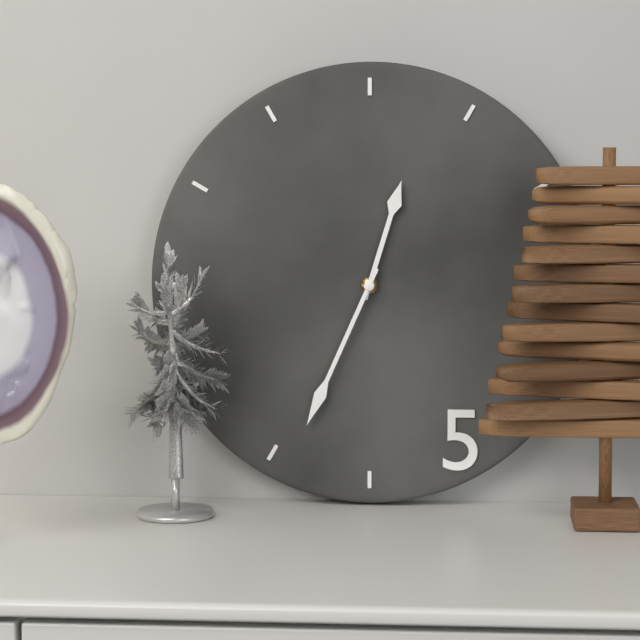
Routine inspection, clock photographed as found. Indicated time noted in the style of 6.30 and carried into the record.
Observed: 12.34
